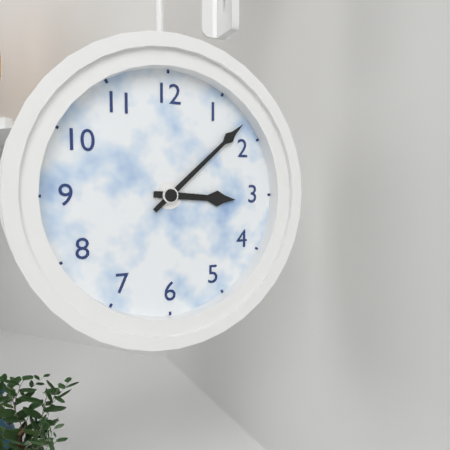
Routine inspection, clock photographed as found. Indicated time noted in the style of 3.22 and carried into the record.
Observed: 3.08
